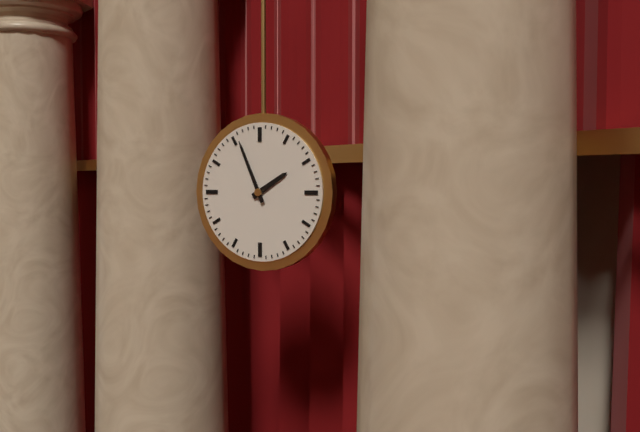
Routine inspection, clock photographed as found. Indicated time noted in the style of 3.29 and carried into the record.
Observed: 1.56
